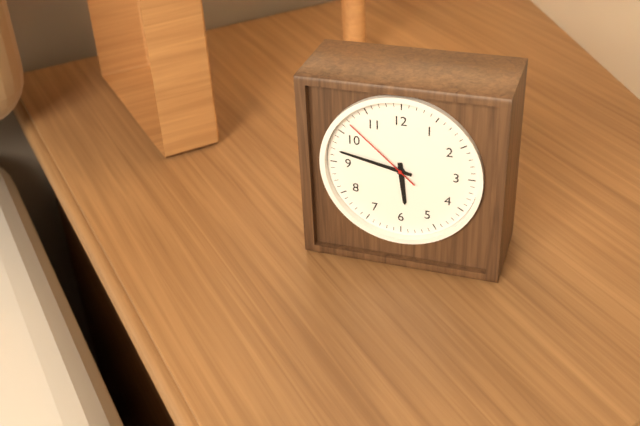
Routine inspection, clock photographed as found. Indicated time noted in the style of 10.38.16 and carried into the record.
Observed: 5.47.52
